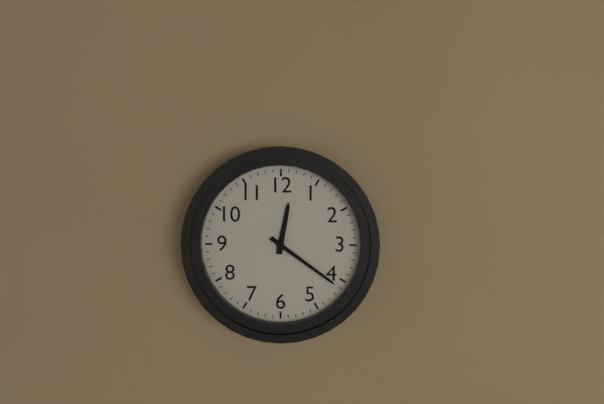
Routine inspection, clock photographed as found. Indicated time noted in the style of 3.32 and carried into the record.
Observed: 12.21
